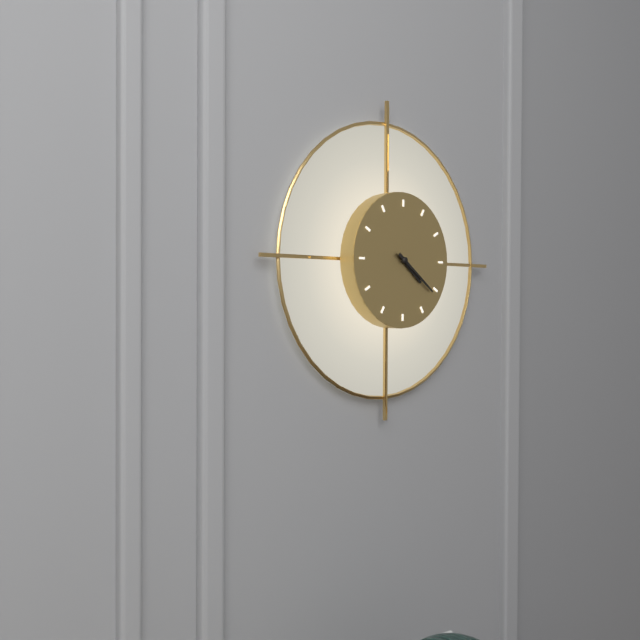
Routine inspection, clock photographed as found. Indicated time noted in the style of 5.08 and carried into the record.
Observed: 4.21
